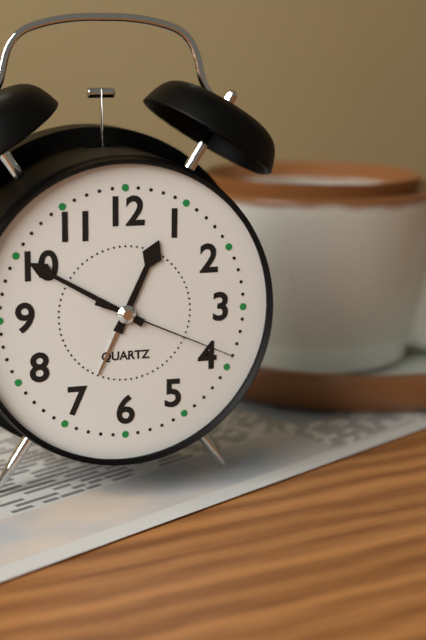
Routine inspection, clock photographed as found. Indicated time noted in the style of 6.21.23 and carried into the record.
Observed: 12.50.19
